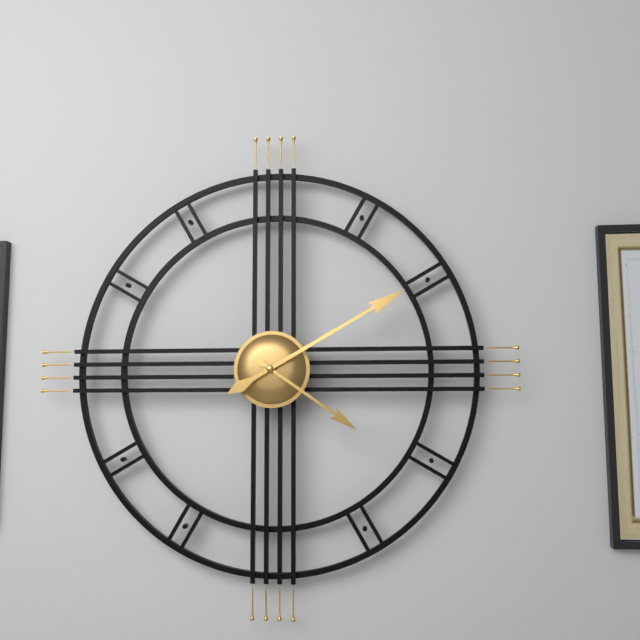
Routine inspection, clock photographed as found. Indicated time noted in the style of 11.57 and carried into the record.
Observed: 4.10
